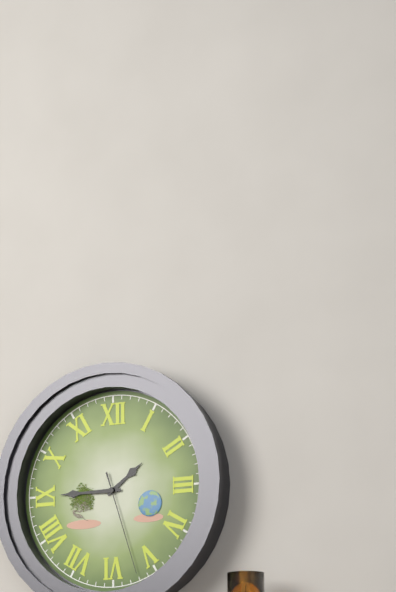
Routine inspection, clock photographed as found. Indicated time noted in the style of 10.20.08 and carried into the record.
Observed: 1.45.27
